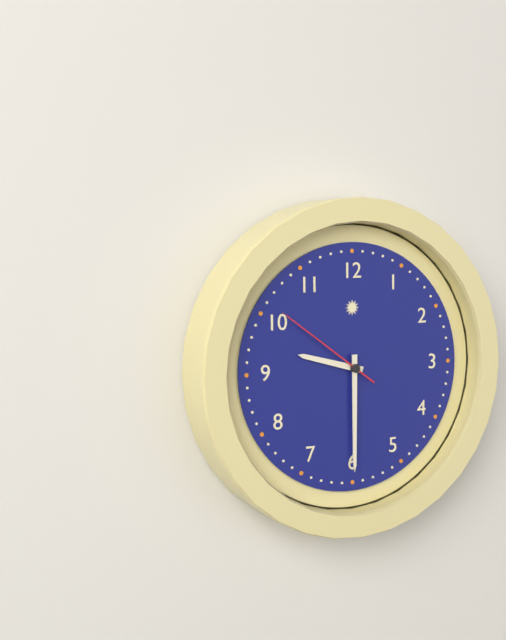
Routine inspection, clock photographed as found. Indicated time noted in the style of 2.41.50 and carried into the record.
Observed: 9.30.51
